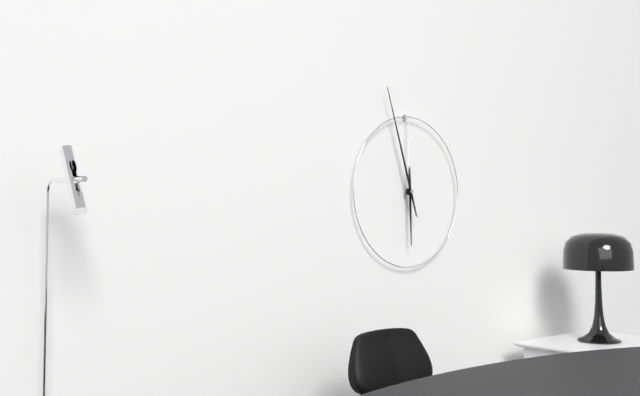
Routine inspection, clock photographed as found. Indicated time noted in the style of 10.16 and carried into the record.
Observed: 5.57
